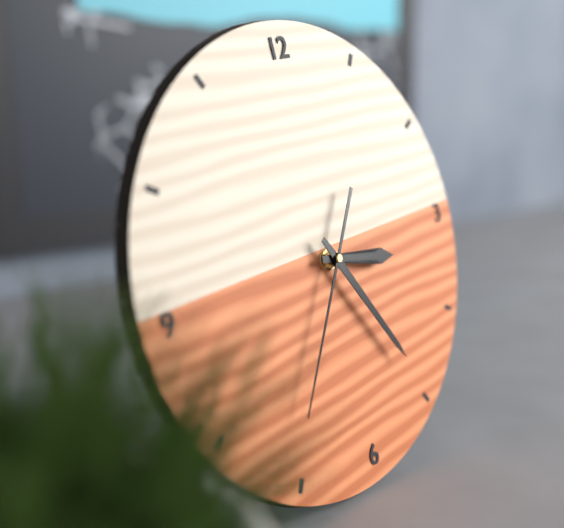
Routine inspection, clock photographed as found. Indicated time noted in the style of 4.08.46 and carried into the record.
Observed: 3.25.36
